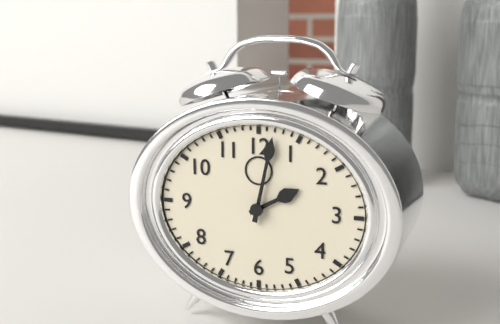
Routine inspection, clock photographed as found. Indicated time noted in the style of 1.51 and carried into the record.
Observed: 2.02
